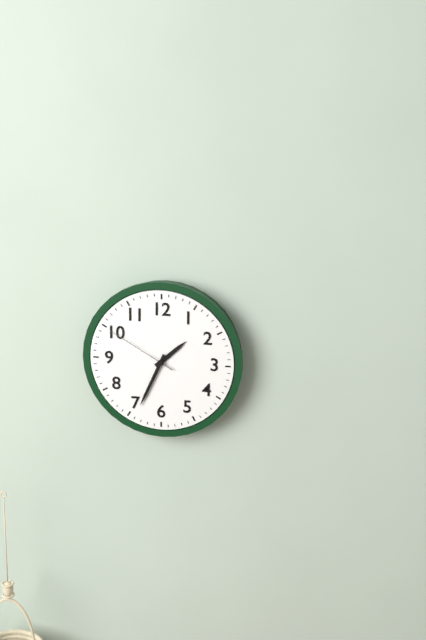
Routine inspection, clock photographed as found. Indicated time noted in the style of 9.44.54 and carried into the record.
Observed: 1.34.50
